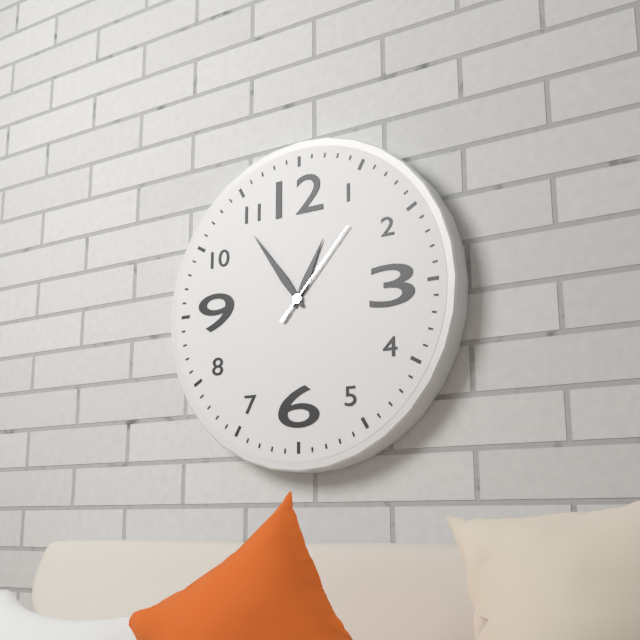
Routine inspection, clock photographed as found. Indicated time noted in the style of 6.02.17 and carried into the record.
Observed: 12.54.07
